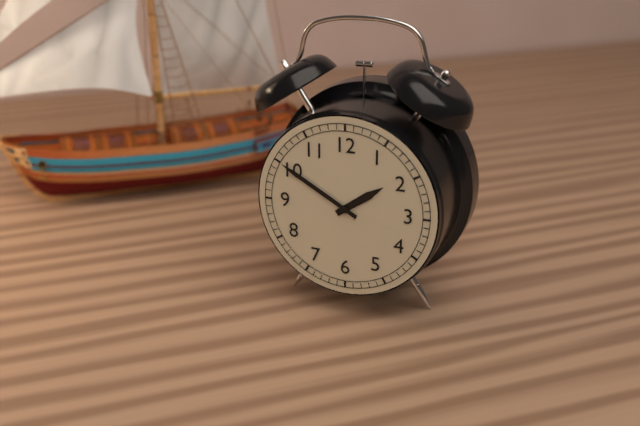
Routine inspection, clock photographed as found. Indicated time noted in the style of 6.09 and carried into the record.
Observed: 1.50
